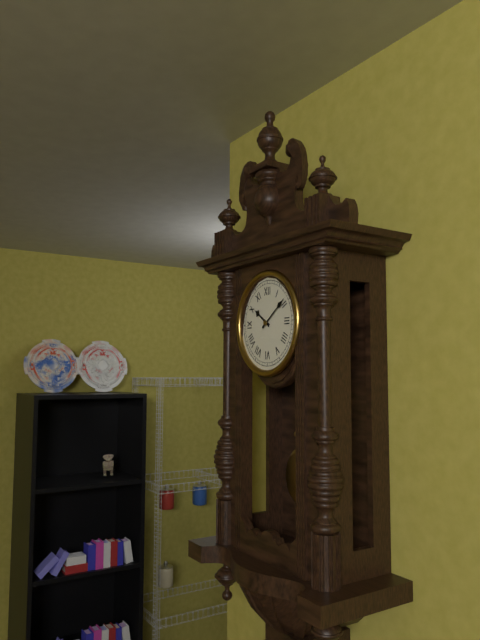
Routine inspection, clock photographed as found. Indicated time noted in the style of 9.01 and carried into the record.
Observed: 10.09
